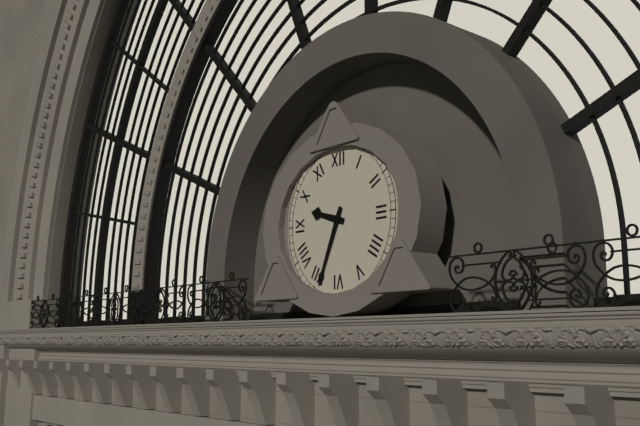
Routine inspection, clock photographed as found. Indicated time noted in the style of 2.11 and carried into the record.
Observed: 9.34
